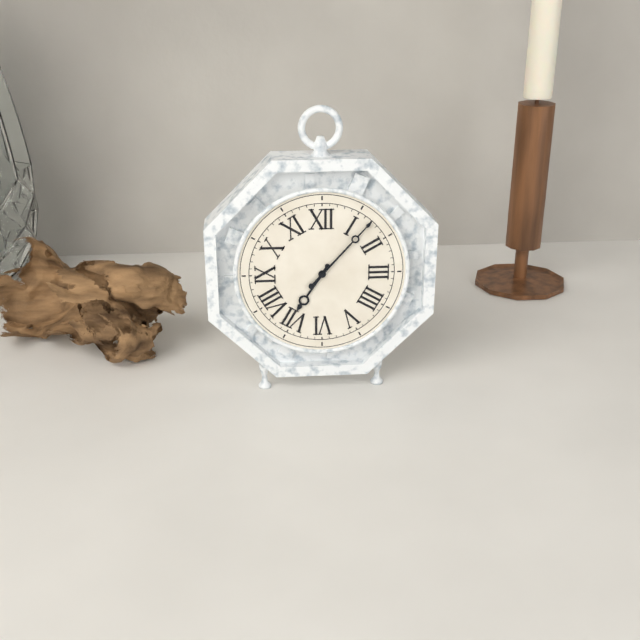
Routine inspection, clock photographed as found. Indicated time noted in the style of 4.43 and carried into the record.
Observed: 7.07
